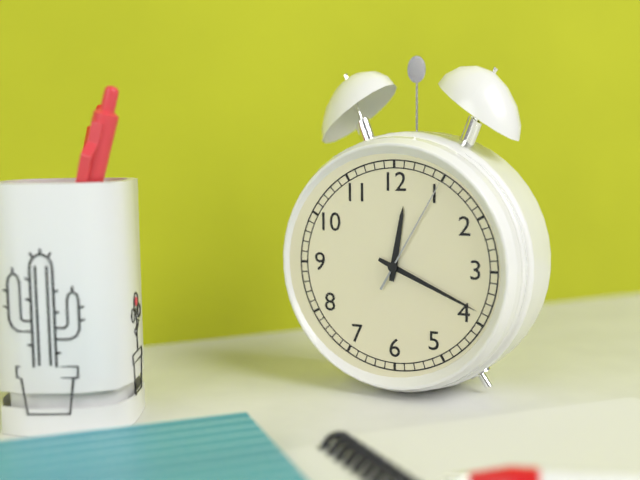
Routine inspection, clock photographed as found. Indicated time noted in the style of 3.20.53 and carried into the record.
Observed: 12.19.05
